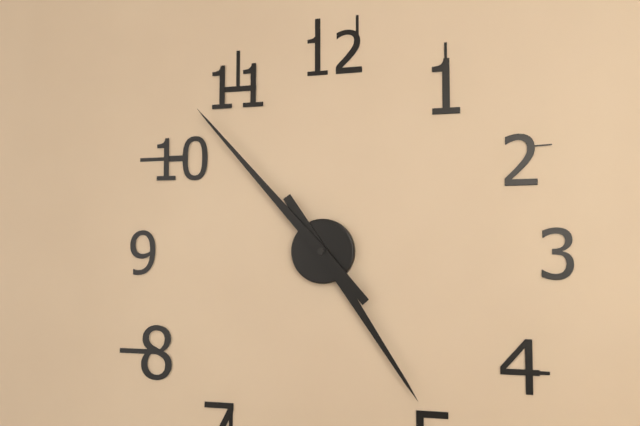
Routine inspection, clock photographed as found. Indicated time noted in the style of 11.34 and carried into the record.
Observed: 4.53
